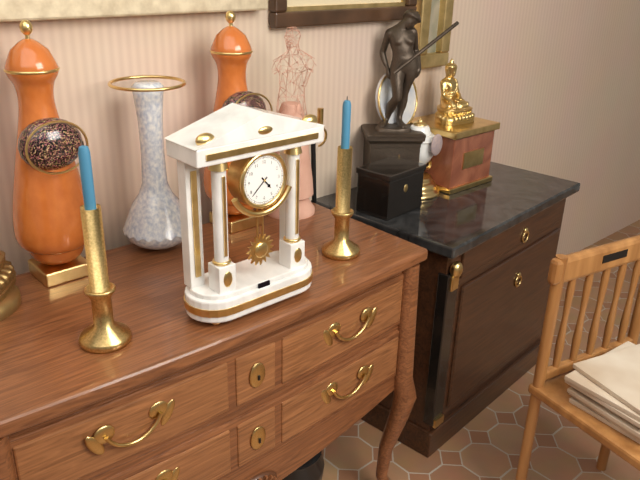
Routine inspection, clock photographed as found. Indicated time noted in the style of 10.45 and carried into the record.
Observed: 4.38
